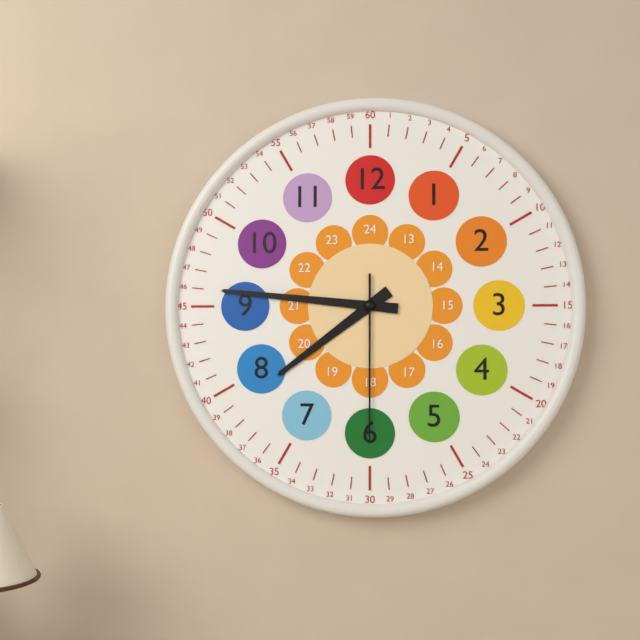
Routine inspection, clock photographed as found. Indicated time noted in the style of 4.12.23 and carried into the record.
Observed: 7.46.30
